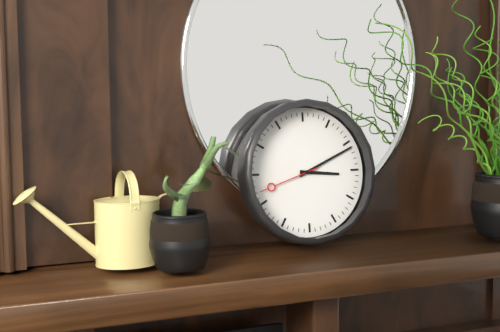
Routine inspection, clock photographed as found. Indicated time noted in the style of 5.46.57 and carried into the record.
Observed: 3.11.42
